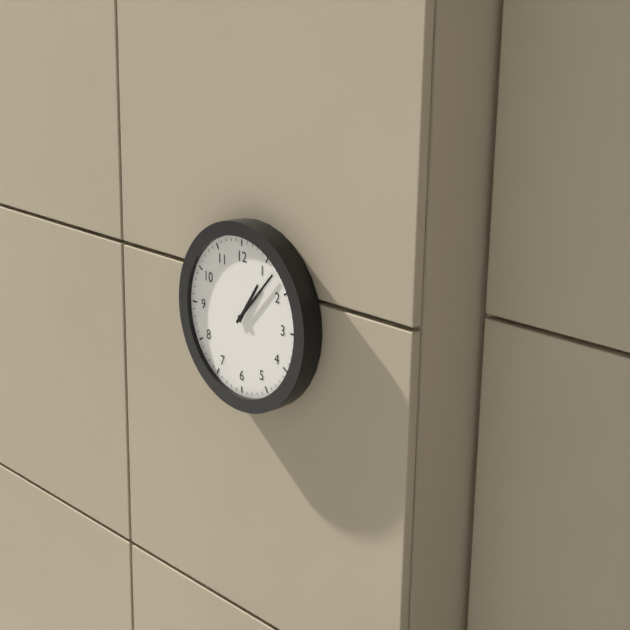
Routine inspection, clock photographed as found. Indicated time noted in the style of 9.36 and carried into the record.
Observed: 1.07
